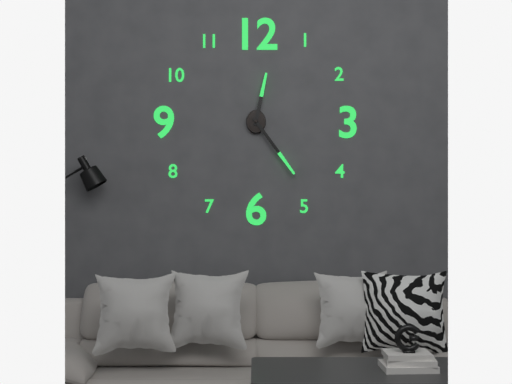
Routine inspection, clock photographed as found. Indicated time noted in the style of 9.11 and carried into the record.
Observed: 12.24
